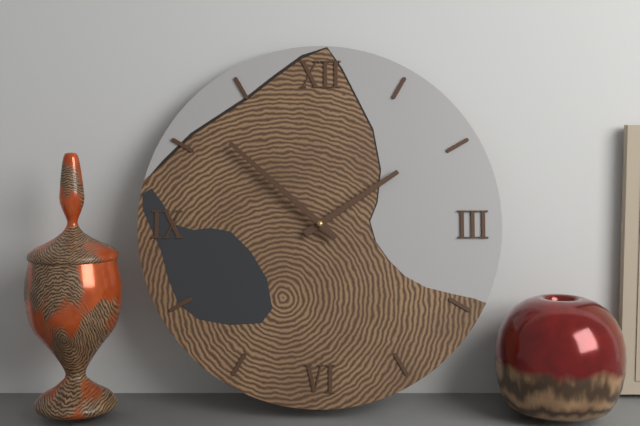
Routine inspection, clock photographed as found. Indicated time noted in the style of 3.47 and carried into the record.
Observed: 1.52
